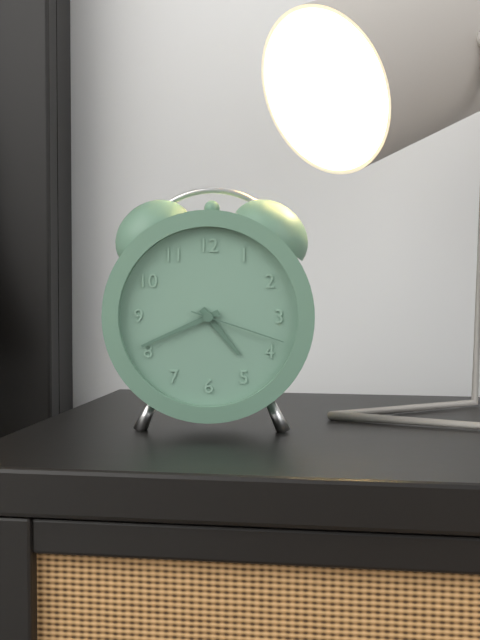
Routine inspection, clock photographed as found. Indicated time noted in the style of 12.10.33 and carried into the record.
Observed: 4.41.18
